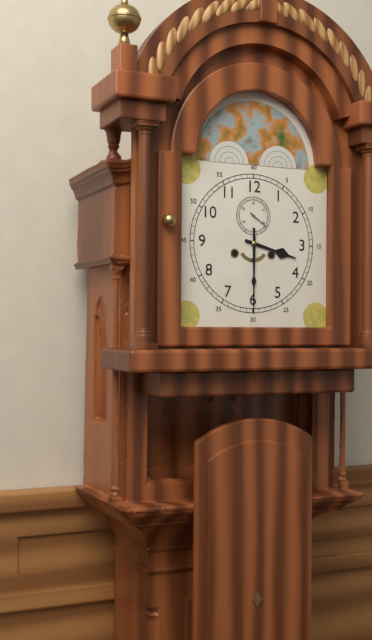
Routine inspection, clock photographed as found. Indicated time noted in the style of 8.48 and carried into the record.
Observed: 3.30
